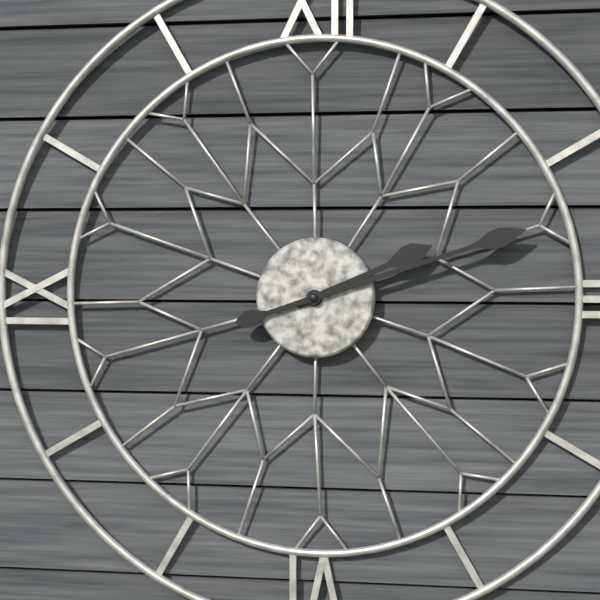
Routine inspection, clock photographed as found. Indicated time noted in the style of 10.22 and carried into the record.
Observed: 2.12
